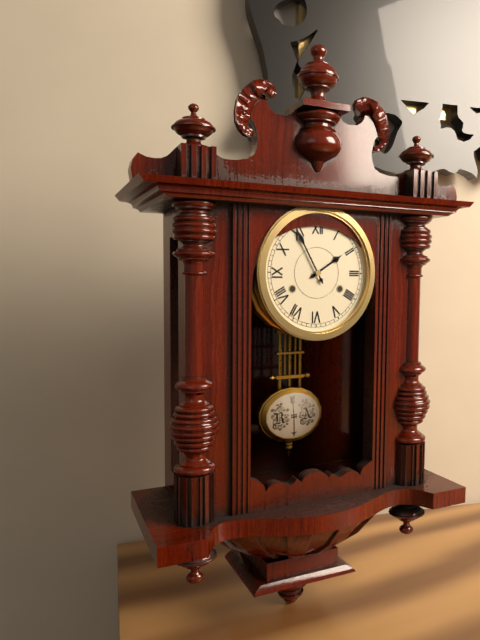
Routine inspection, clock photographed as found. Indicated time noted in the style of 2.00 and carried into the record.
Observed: 1.55
